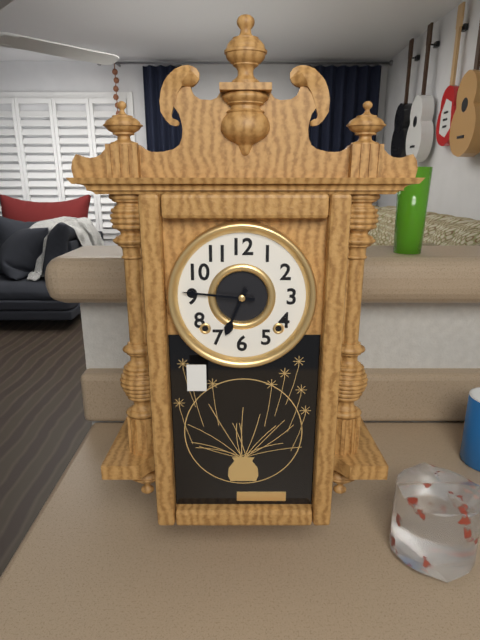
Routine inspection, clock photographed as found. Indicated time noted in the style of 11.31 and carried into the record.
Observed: 6.46
